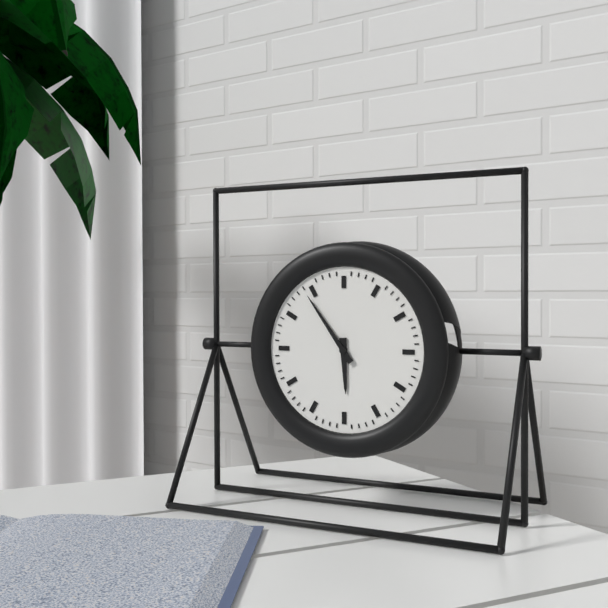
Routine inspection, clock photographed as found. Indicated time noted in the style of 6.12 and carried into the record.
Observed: 5.54
